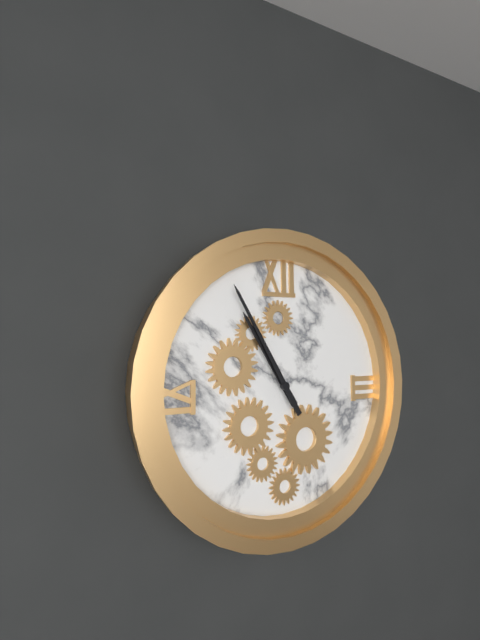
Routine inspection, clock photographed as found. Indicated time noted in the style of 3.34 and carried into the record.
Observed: 10.55
